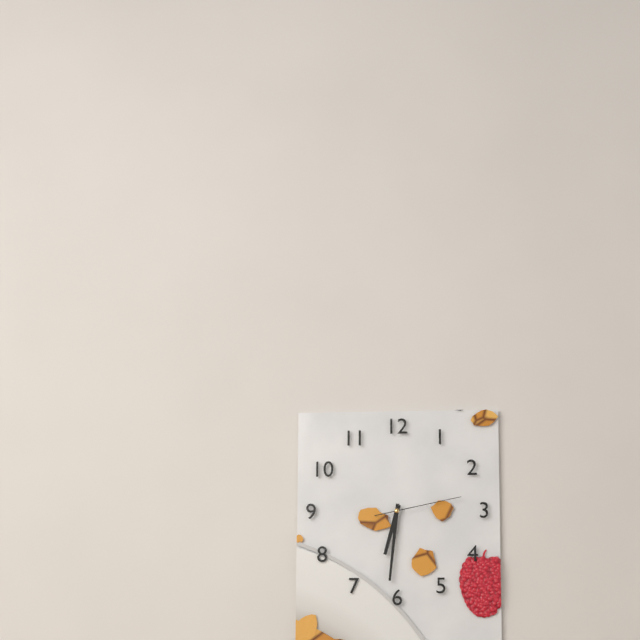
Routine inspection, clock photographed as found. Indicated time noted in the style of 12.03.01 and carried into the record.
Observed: 6.31.13
